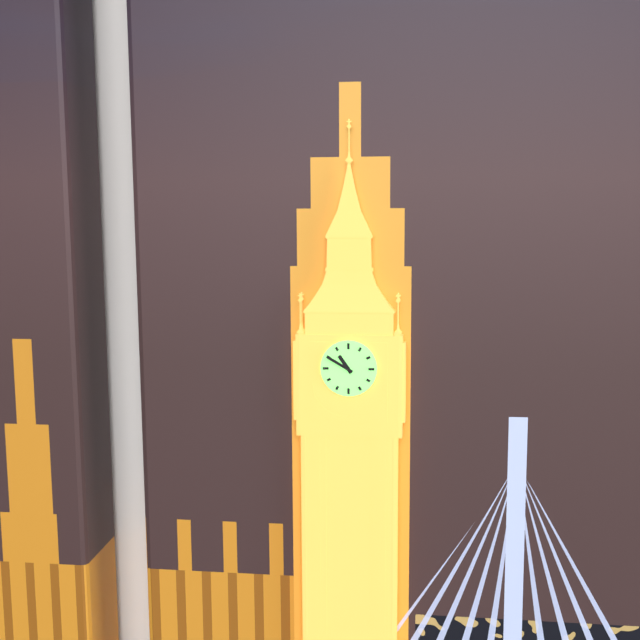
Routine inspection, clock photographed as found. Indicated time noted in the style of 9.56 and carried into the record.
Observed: 10.50
